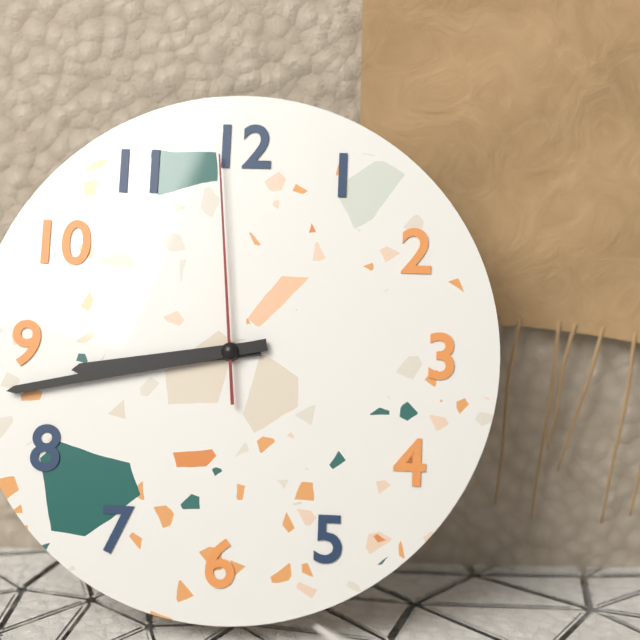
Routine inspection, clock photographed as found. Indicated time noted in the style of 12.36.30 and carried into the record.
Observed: 8.43.59
